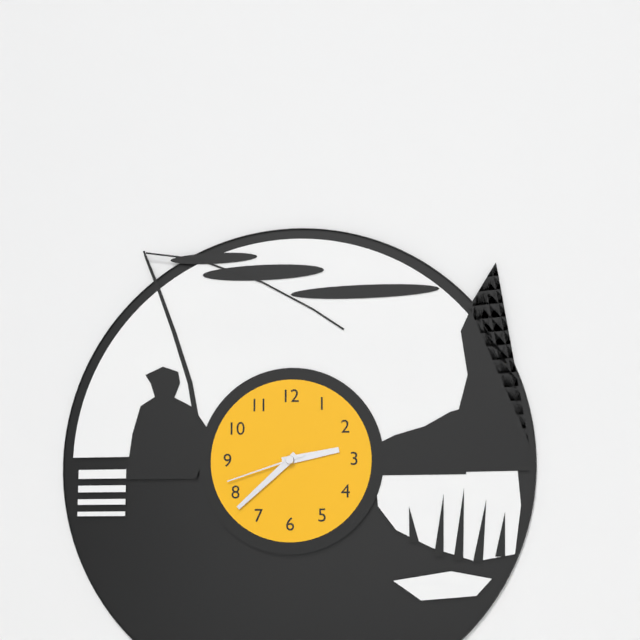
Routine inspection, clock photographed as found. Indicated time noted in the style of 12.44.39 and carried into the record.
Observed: 2.38.42
